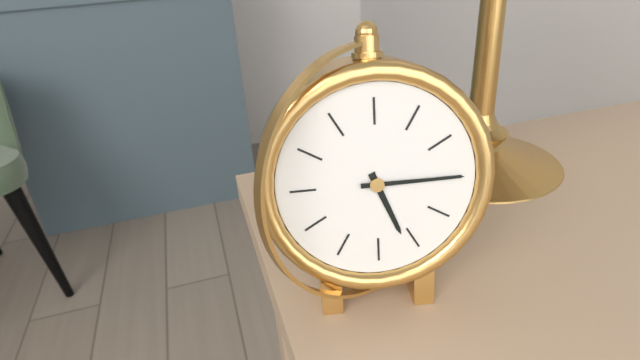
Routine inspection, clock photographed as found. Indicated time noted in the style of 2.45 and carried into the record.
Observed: 5.15
